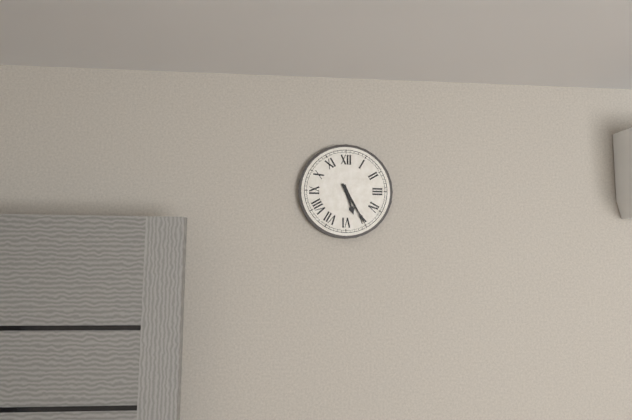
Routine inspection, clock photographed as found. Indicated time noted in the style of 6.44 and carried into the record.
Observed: 5.25
